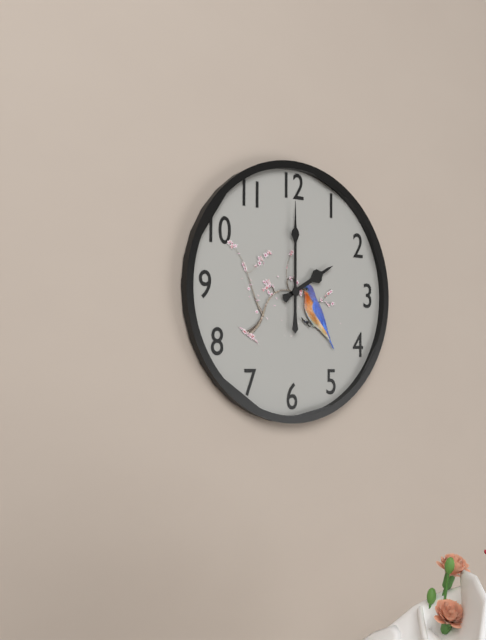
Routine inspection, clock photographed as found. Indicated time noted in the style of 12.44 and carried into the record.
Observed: 2.00
